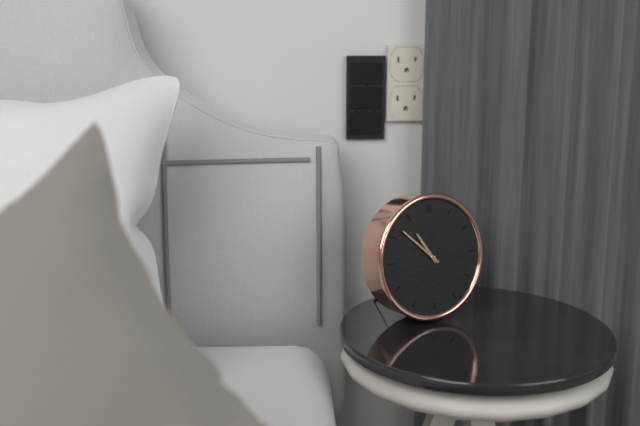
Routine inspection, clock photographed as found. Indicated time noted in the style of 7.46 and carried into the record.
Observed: 10.52
